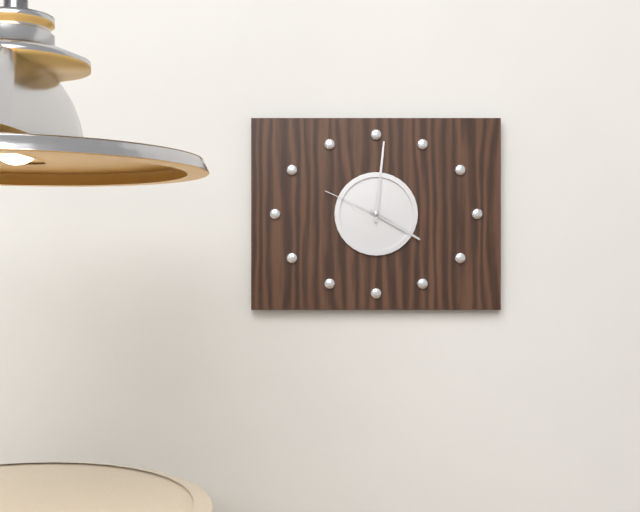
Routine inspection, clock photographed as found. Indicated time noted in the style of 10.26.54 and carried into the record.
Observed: 4.01.49
